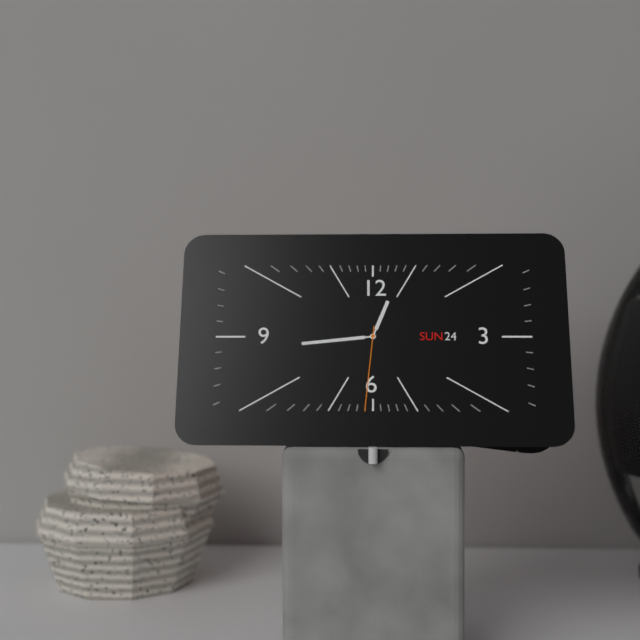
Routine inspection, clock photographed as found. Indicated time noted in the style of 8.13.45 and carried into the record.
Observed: 12.44.31
